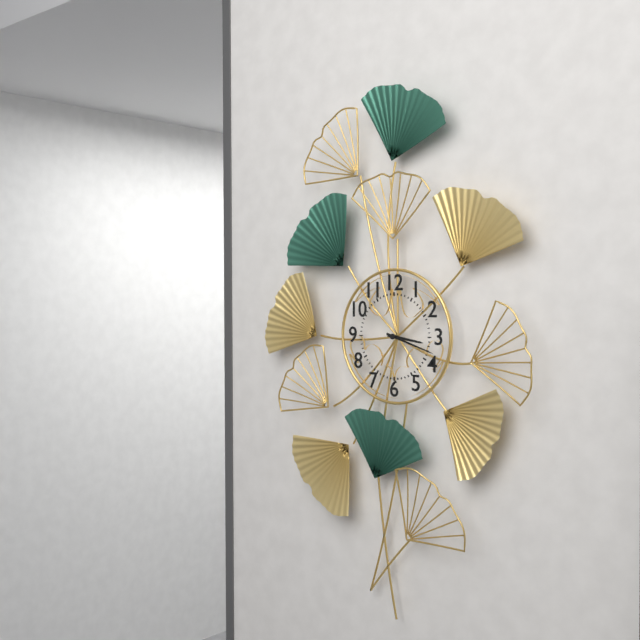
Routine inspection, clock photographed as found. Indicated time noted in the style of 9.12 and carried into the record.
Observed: 3.18
